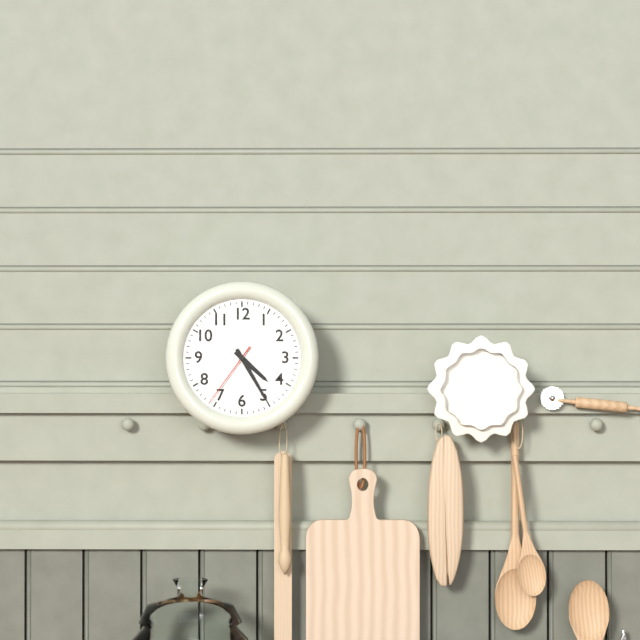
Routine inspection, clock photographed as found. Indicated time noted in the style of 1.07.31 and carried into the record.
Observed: 4.25.36
